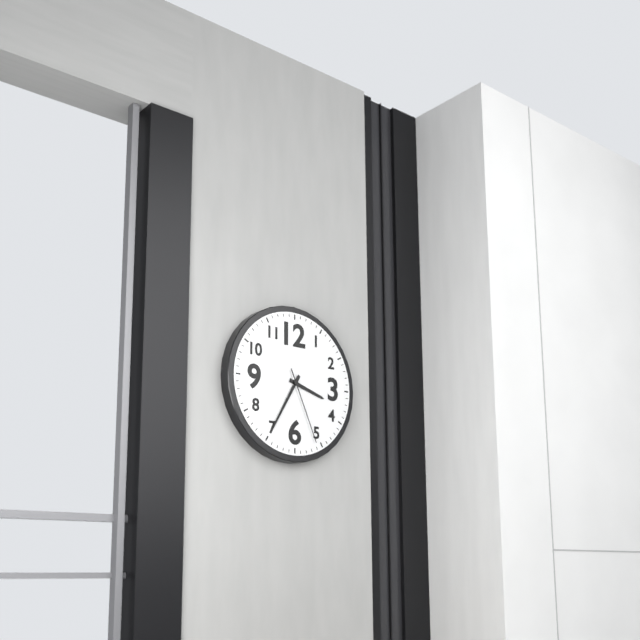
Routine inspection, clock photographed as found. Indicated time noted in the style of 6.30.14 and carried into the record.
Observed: 3.35.26
